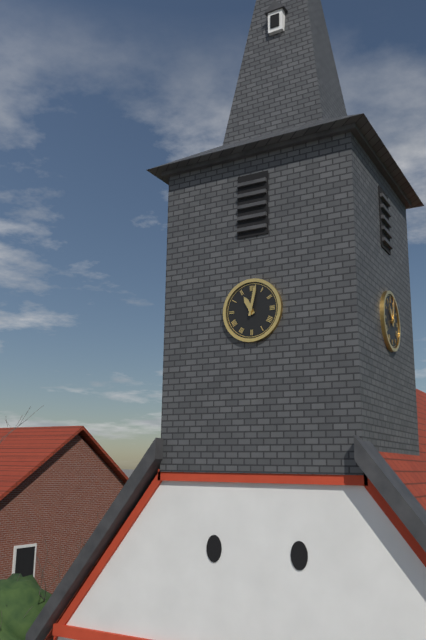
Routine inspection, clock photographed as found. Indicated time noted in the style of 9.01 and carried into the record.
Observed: 11.02
